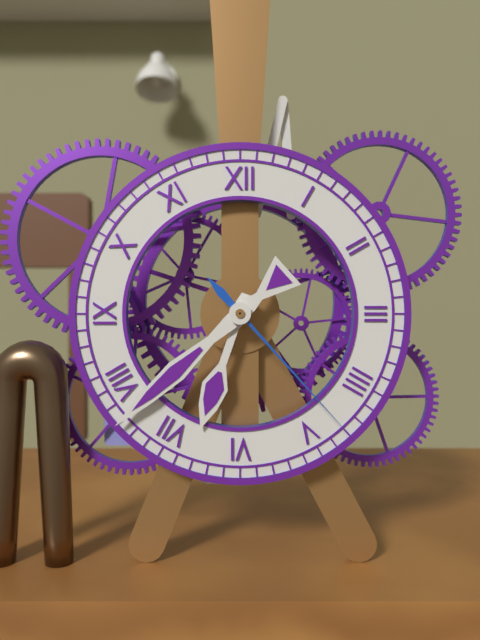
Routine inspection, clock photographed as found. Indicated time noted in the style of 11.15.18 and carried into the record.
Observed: 6.38.23
